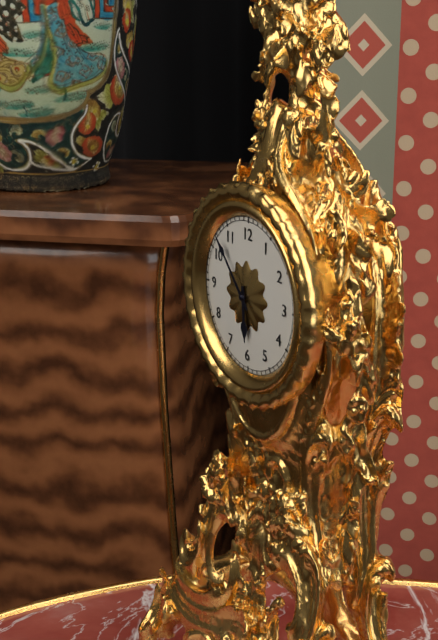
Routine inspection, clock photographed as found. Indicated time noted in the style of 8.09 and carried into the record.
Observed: 5.53
